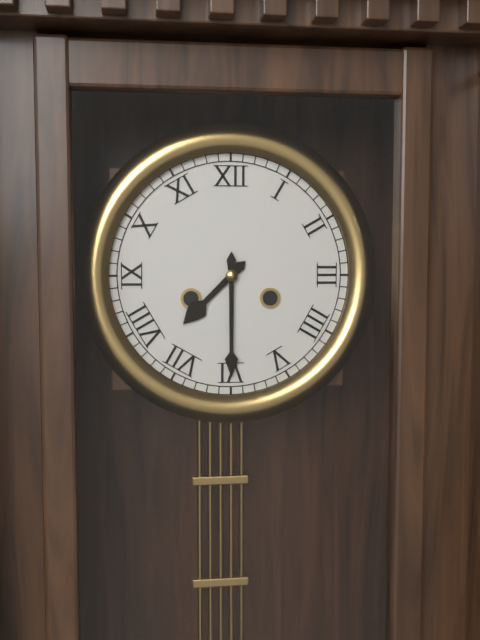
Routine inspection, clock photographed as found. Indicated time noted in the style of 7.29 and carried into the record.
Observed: 7.30
